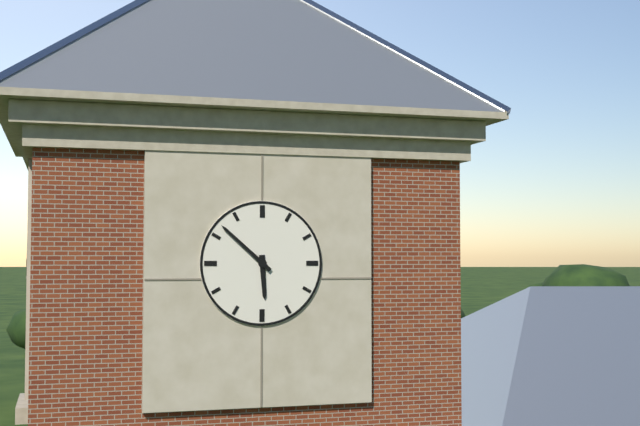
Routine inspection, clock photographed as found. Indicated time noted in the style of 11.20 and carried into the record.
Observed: 5.52
